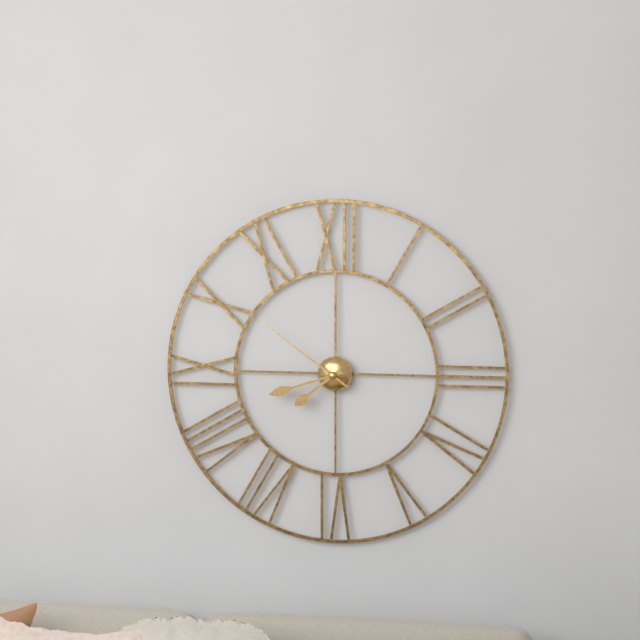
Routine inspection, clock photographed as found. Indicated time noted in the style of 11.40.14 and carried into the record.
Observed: 7.42.51
